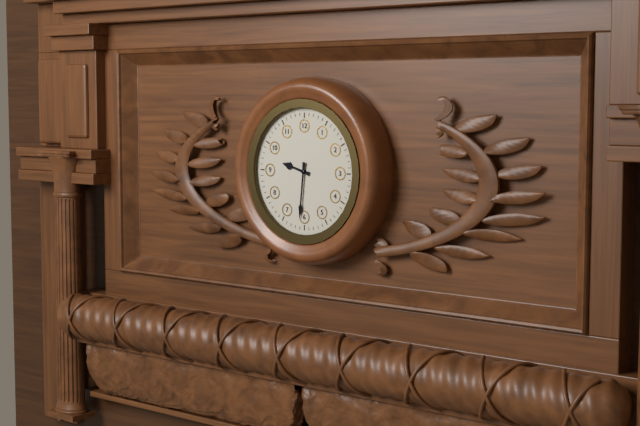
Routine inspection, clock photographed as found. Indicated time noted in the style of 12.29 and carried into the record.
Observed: 9.31
